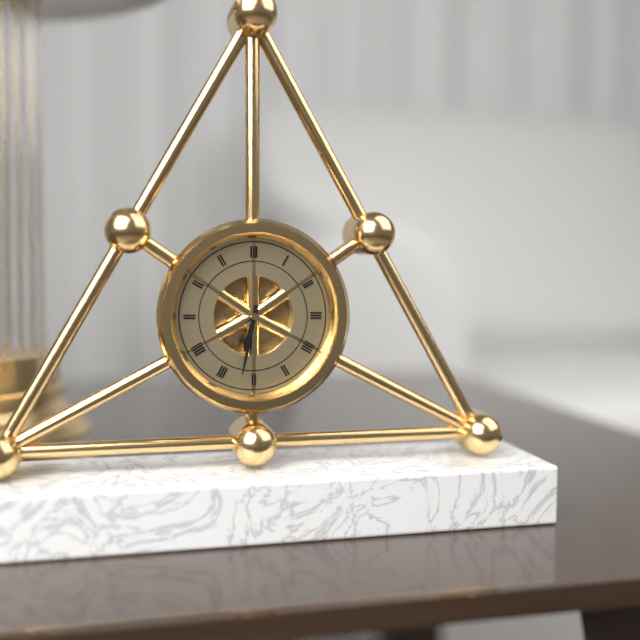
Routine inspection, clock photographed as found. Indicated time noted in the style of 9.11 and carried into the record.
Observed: 6.32
